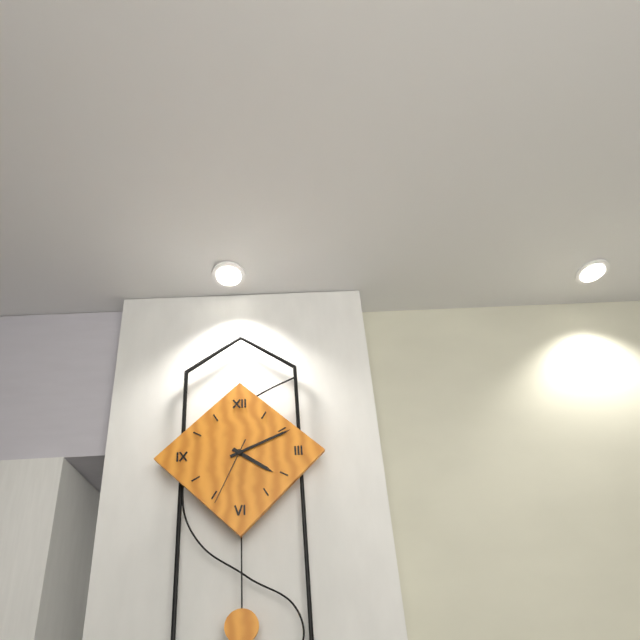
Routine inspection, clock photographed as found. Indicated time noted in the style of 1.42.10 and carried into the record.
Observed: 4.11.34
